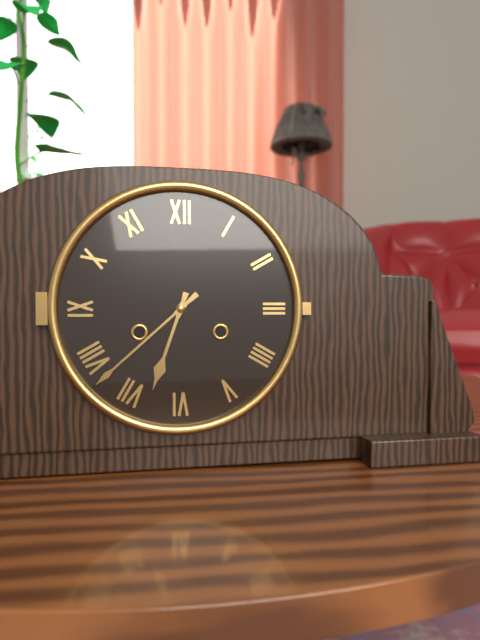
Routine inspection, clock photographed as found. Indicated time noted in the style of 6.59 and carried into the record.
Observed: 6.38
